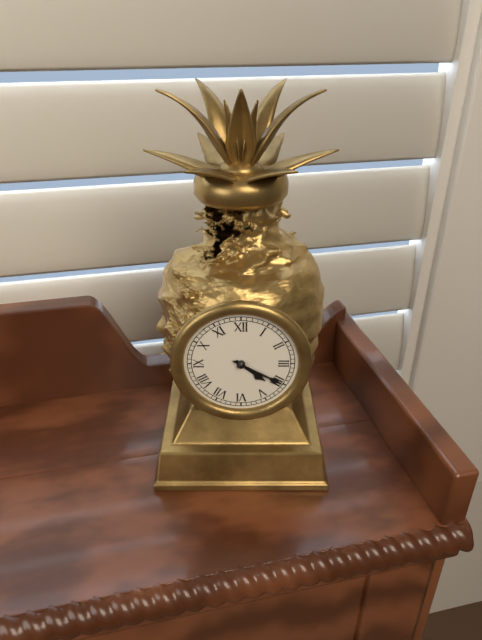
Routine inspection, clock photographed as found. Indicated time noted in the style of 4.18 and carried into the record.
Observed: 4.20
